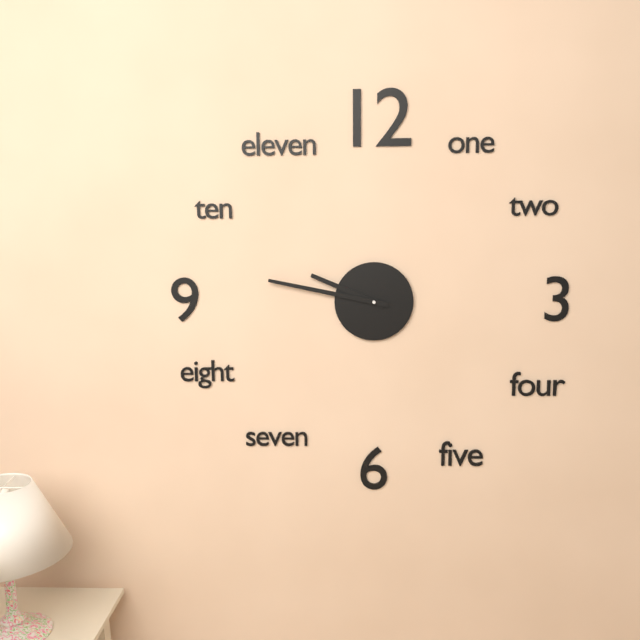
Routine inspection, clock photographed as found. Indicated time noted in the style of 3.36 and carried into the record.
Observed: 9.47
